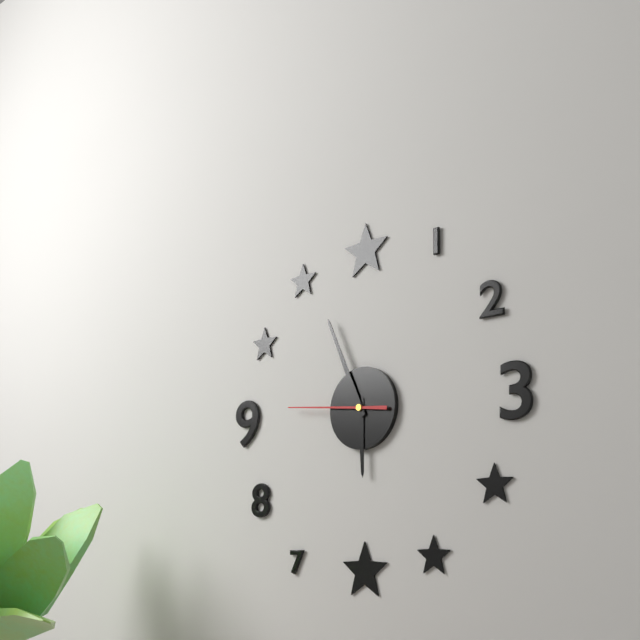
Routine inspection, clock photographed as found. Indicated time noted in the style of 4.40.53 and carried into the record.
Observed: 5.56.46
